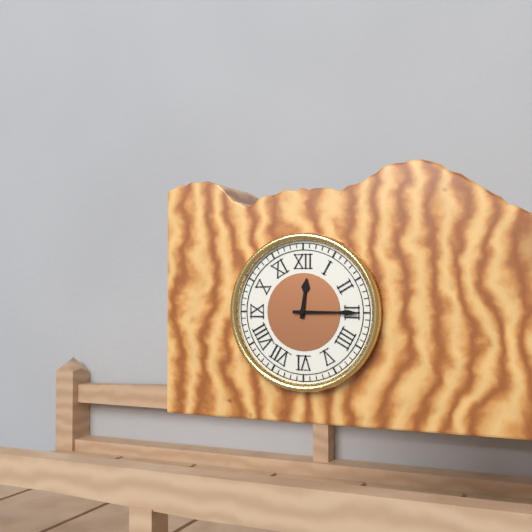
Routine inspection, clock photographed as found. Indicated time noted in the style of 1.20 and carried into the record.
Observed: 12.15
